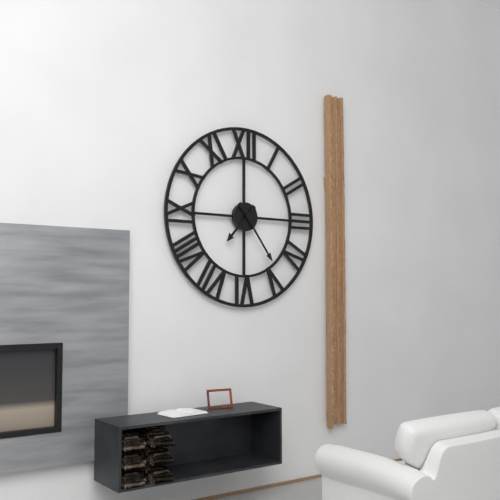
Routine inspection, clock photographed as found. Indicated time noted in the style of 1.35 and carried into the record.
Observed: 7.24
